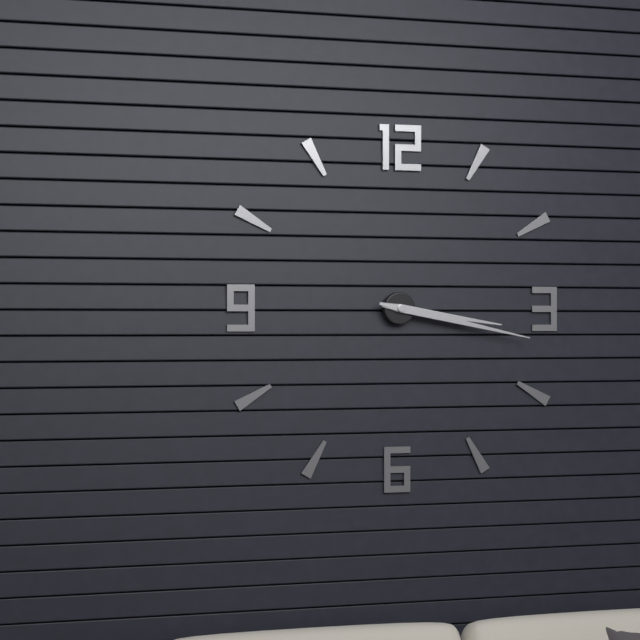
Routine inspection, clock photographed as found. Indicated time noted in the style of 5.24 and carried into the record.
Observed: 3.17
